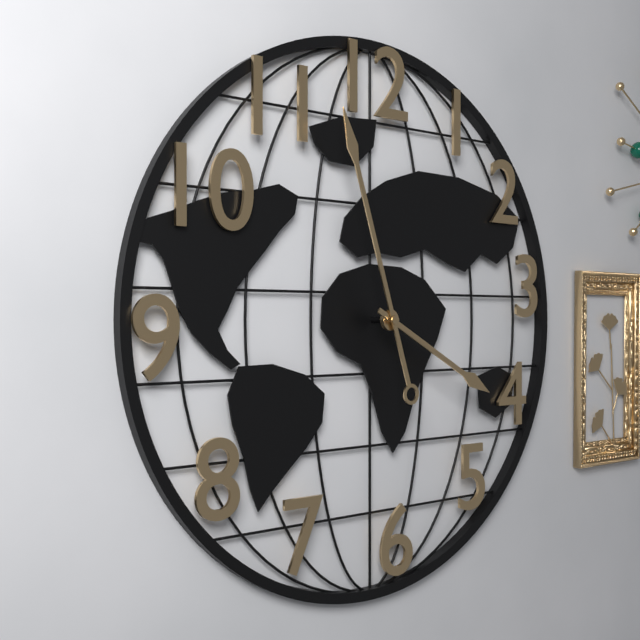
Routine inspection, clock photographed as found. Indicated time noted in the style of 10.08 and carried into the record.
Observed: 3.57
